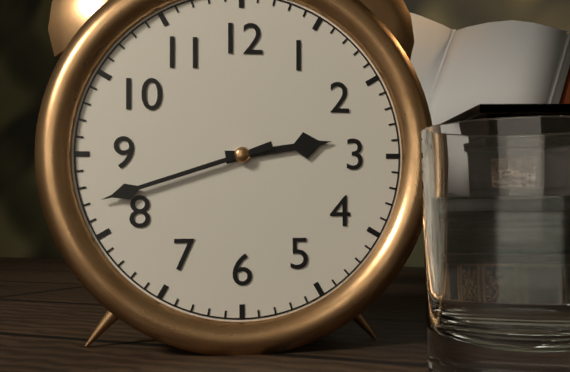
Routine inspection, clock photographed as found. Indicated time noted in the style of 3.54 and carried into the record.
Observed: 2.42
